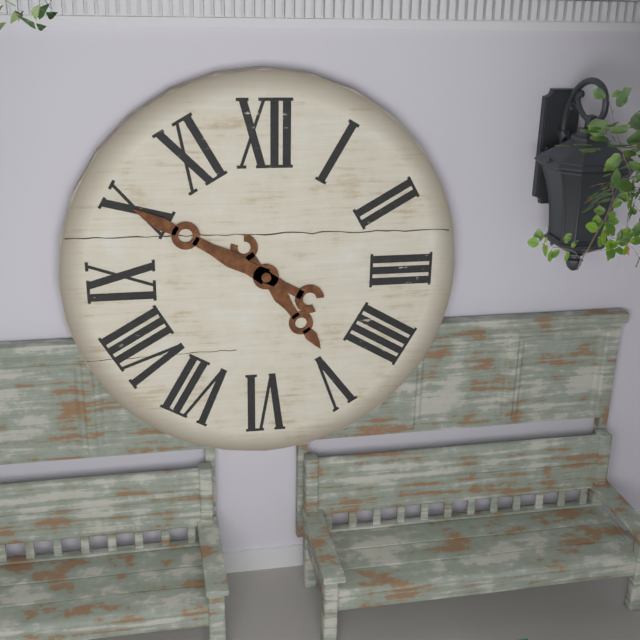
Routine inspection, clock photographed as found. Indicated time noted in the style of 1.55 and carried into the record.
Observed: 4.50
